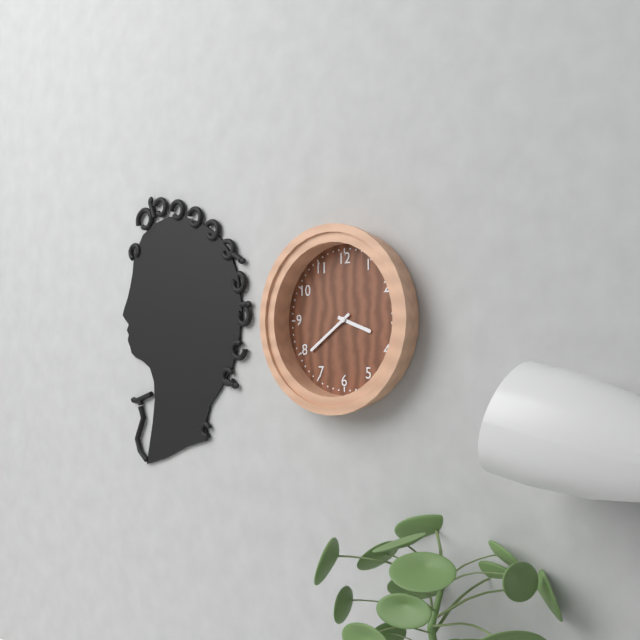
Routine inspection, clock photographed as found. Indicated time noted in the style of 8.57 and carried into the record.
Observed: 3.39
